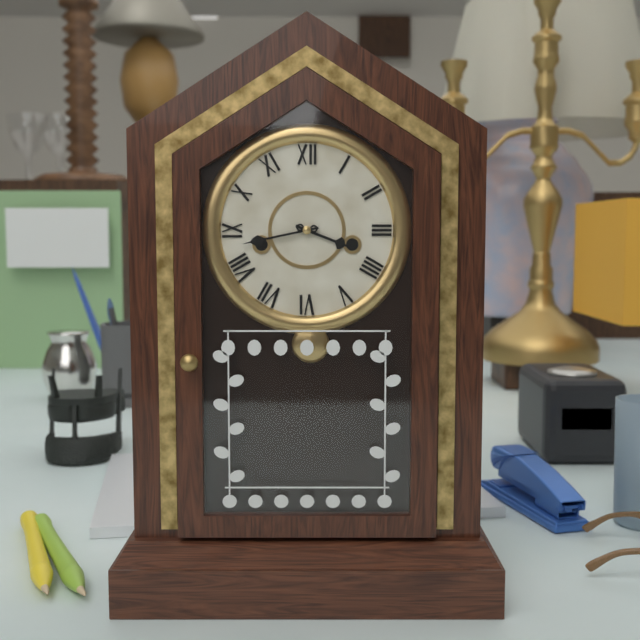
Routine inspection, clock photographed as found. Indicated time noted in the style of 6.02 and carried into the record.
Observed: 3.43
